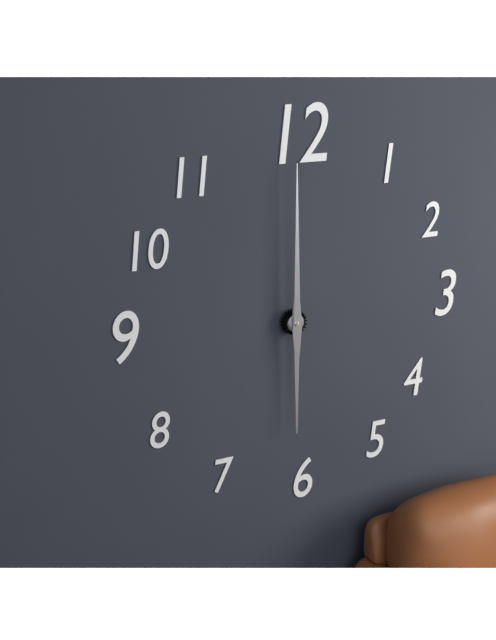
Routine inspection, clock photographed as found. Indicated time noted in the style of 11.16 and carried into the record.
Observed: 6.00
